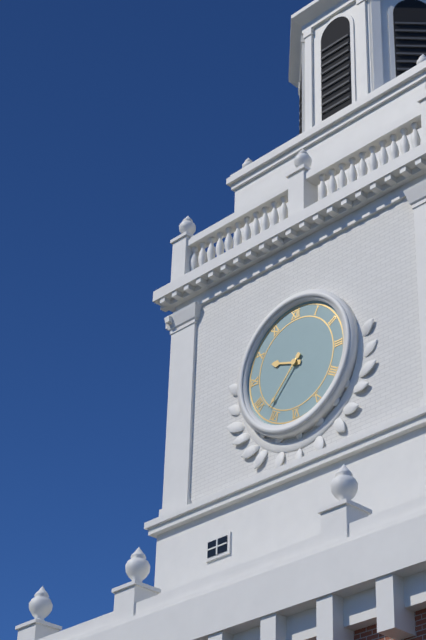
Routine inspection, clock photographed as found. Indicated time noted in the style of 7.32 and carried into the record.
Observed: 9.37
